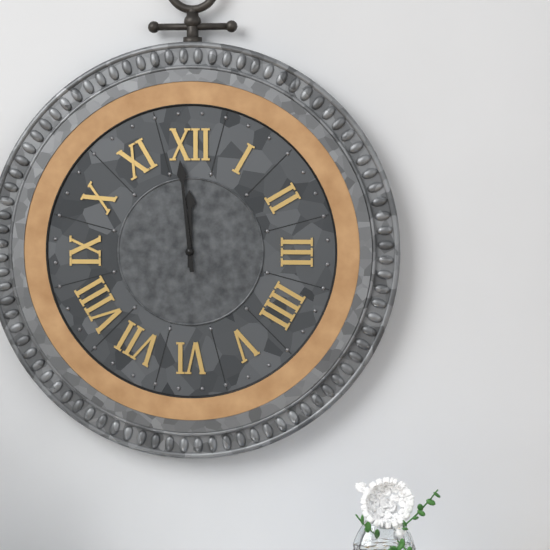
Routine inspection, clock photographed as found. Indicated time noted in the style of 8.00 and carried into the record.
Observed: 11.59
